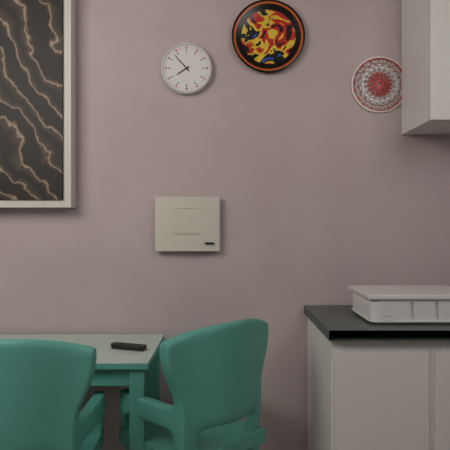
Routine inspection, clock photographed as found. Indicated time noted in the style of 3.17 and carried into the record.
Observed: 7.53
